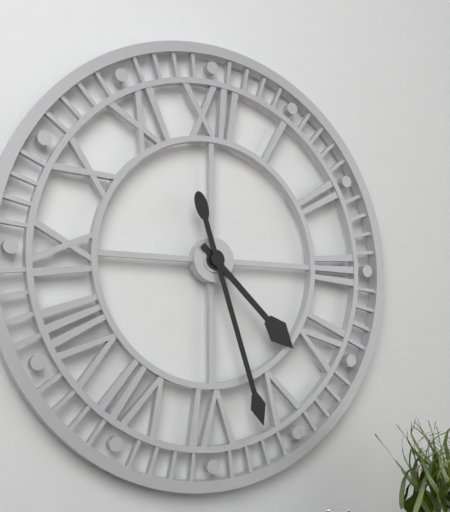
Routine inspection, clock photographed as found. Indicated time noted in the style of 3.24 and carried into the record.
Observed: 4.27
